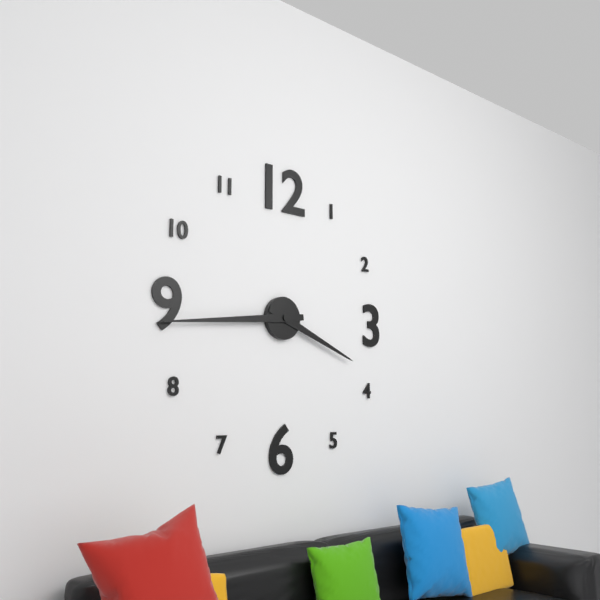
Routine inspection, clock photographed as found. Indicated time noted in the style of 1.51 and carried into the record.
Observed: 3.44
